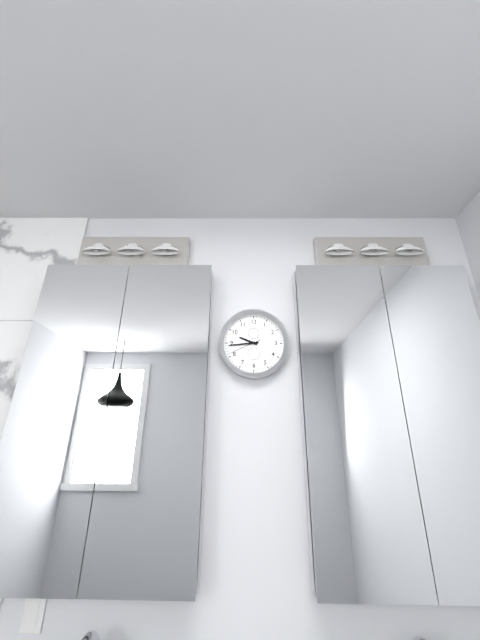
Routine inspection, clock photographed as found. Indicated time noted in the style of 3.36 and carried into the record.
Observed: 9.44
